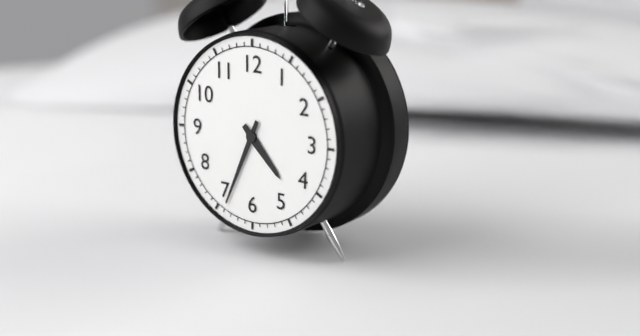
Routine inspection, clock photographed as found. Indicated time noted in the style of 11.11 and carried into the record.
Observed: 4.34
